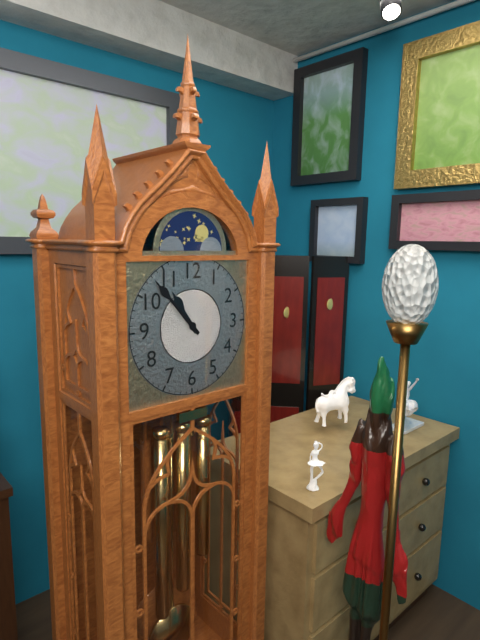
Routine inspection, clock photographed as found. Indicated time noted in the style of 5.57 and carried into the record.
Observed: 10.53
